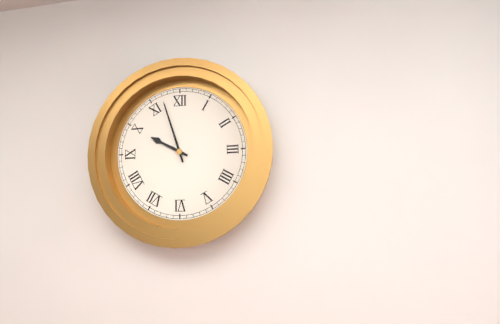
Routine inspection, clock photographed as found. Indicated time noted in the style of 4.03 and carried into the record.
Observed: 9.57
